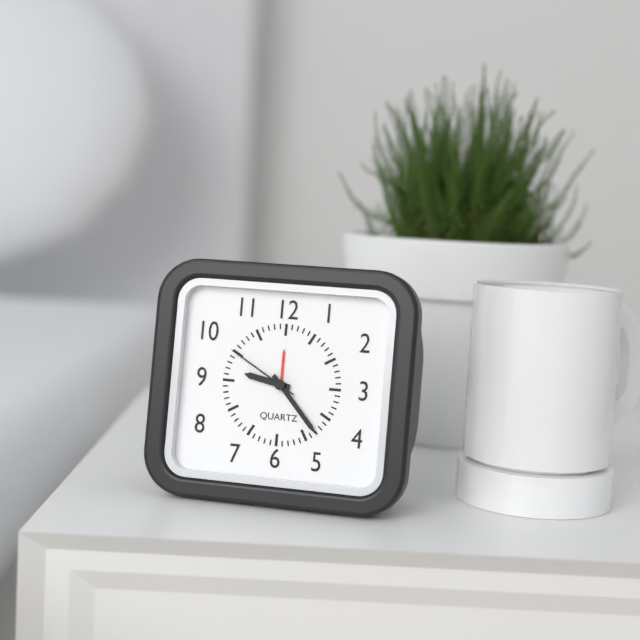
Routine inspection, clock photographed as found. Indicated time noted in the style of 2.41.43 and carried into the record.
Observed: 9.23.50
